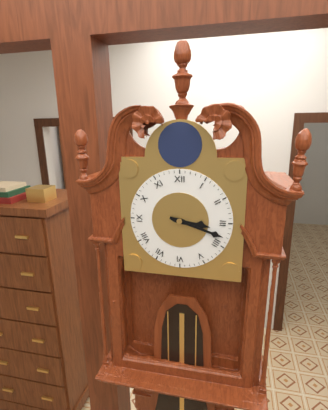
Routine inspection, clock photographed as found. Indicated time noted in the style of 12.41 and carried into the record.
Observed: 3.18
